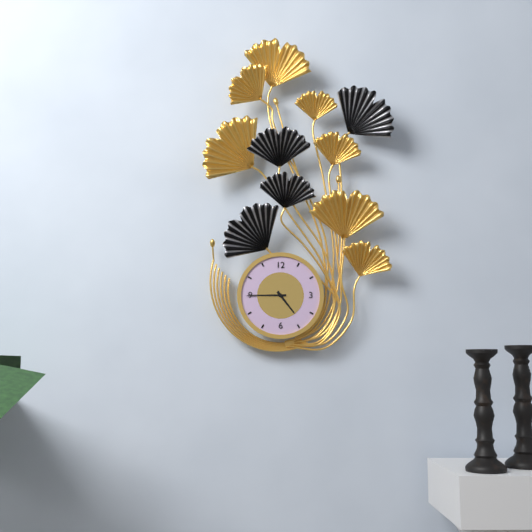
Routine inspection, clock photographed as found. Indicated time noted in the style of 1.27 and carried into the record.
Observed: 4.45
